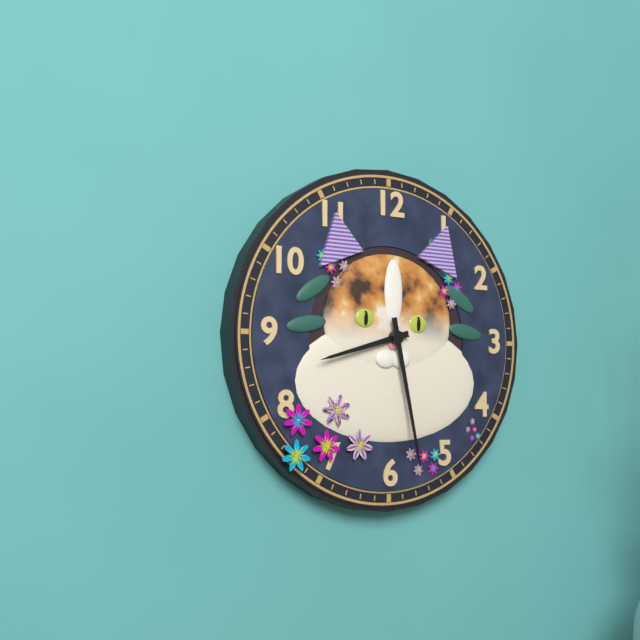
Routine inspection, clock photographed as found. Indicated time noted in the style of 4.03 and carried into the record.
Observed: 8.28
